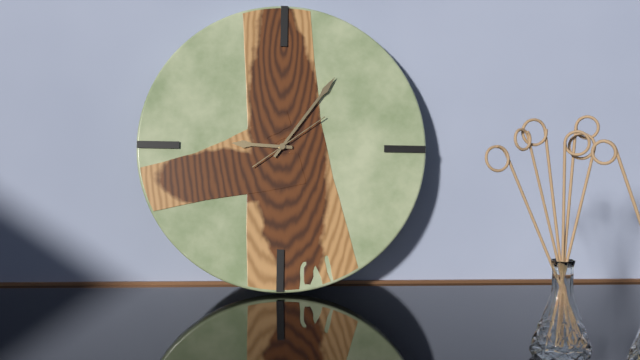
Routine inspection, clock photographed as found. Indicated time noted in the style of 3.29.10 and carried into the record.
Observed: 9.06.09
